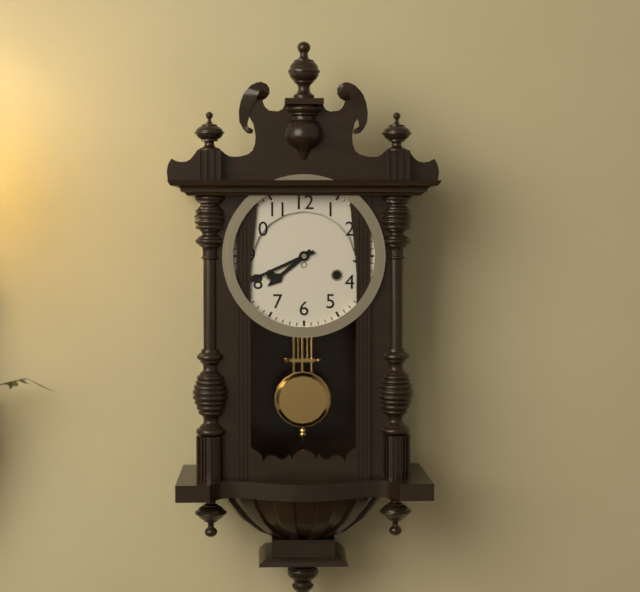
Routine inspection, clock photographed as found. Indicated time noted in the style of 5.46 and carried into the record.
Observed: 7.41
